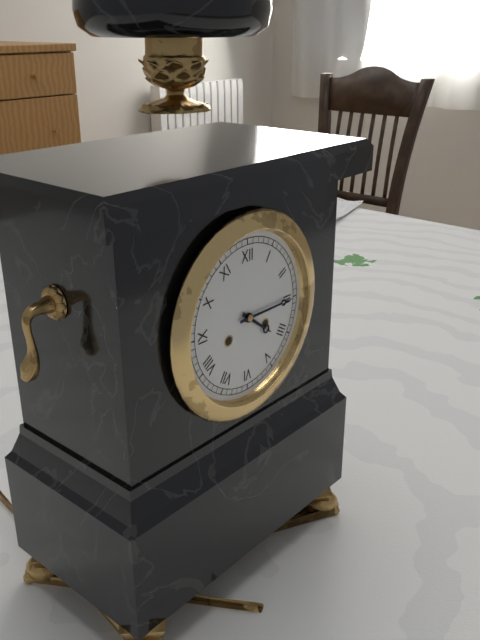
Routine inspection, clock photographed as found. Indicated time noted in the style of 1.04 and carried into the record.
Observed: 4.15
